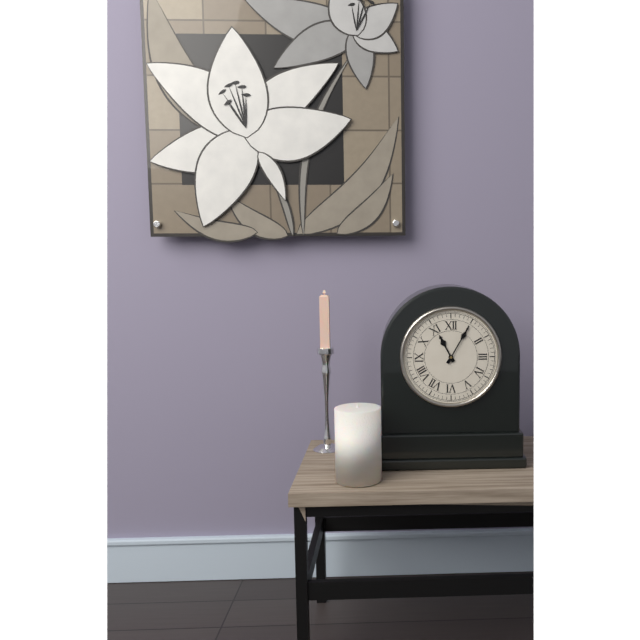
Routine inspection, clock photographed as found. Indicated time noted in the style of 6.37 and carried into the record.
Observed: 11.05
